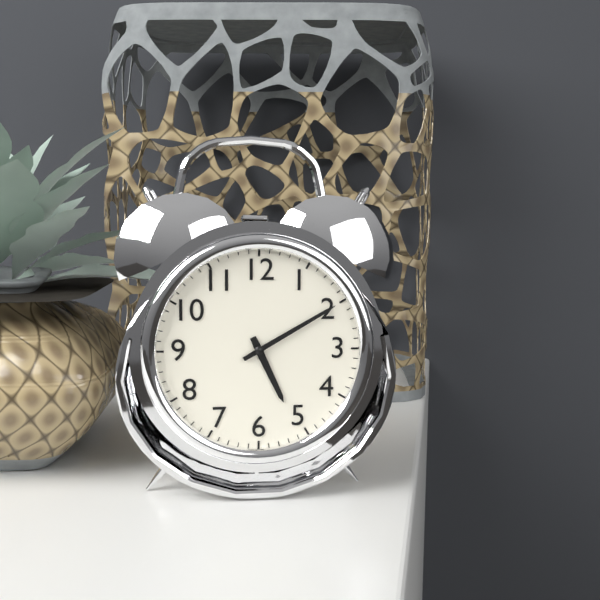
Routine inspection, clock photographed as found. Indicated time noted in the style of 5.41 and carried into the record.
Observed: 5.10
